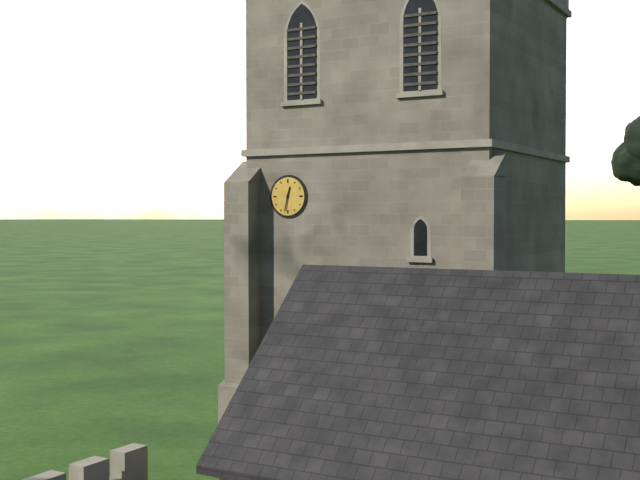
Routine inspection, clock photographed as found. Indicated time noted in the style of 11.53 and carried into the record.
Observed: 12.32
